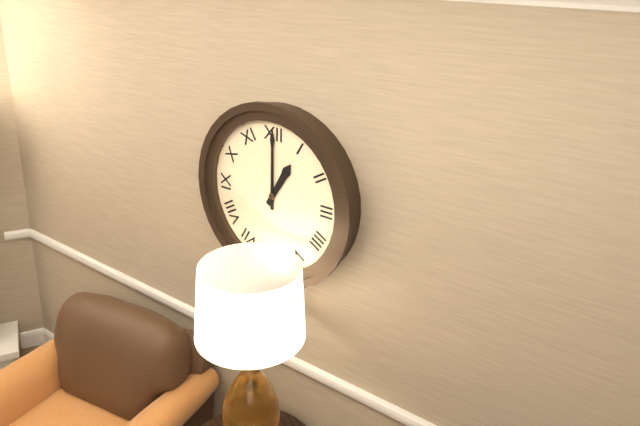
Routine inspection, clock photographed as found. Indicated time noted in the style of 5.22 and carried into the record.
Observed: 1.00
